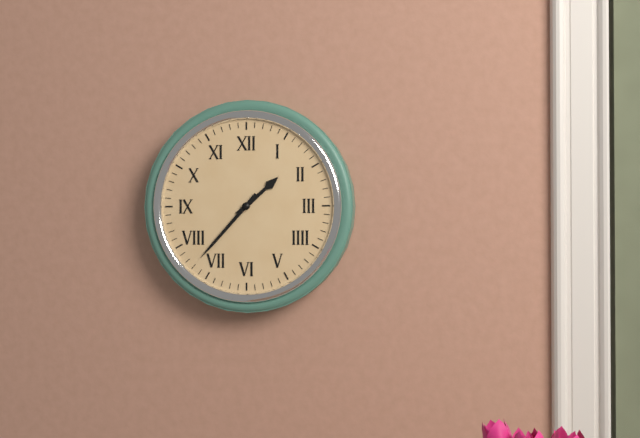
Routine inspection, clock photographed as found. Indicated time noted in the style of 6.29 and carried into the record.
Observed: 1.37
